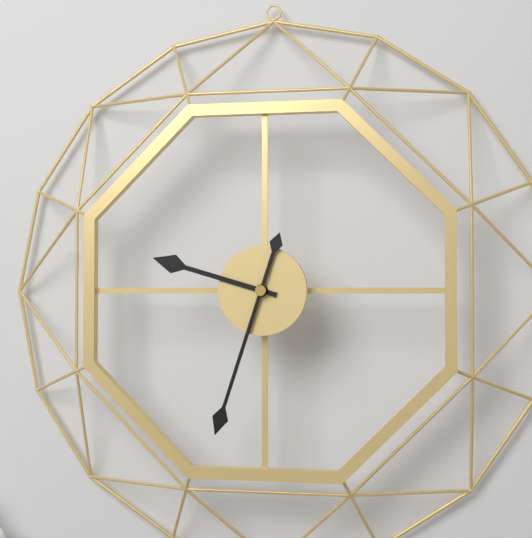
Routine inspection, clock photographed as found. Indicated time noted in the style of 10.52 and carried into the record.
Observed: 9.33
